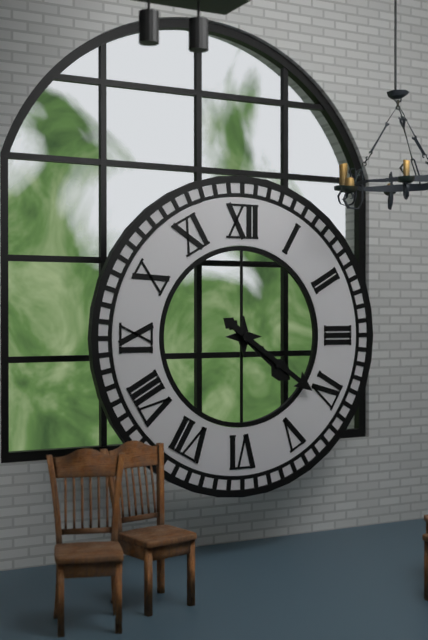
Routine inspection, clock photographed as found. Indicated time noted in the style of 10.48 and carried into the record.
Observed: 4.21
